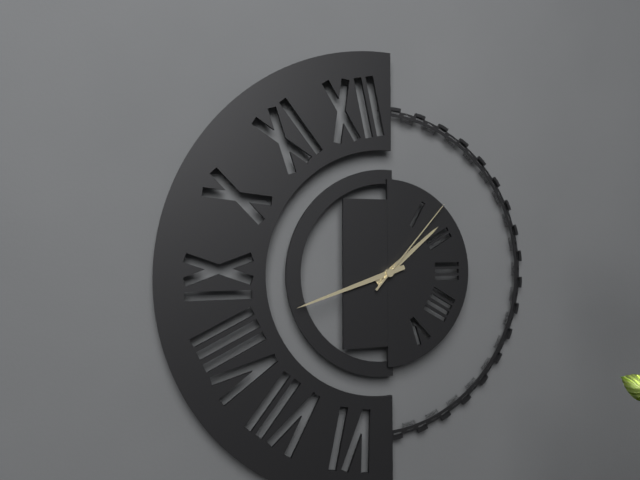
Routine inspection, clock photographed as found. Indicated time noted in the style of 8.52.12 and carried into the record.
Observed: 1.42.07
